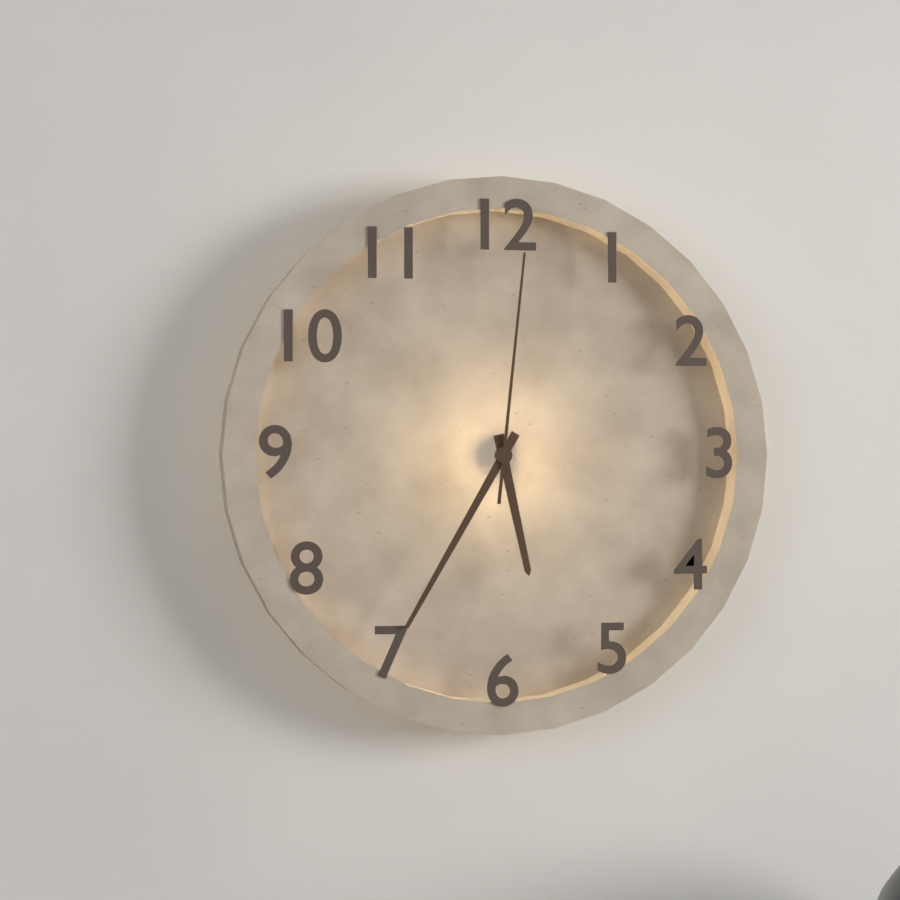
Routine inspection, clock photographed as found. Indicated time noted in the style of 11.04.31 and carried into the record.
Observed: 5.35.01
